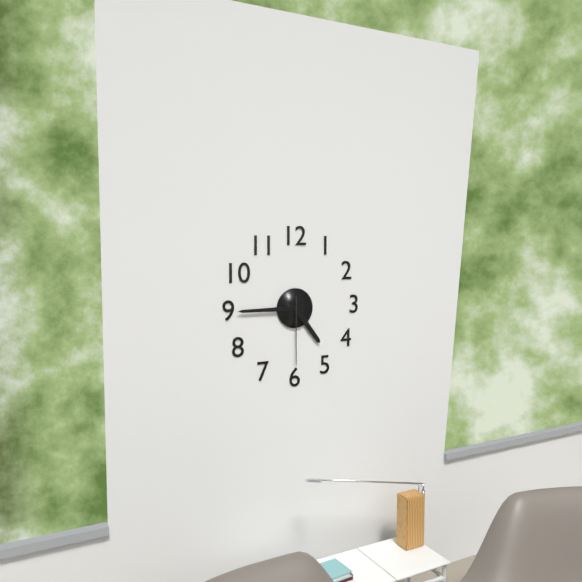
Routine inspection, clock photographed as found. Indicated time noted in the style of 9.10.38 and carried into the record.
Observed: 4.45.30
